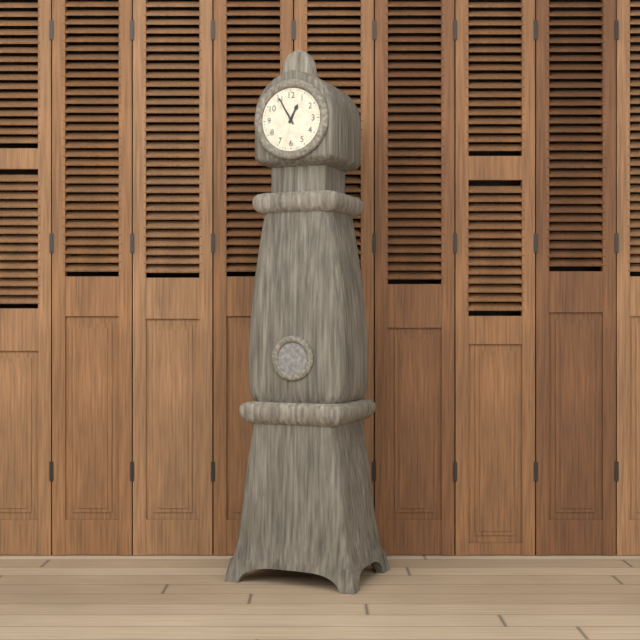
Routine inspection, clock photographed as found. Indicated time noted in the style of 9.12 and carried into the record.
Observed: 12.55
